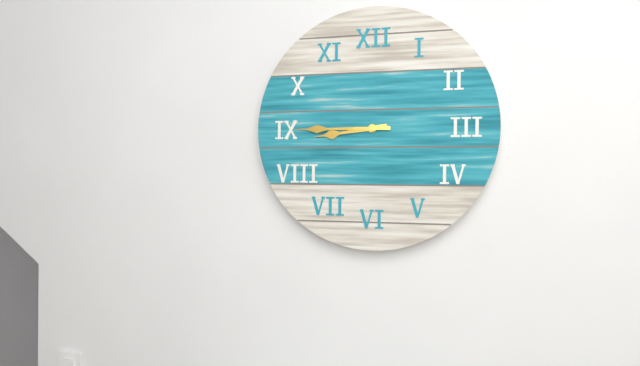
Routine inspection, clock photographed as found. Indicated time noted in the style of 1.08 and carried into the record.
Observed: 8.45
